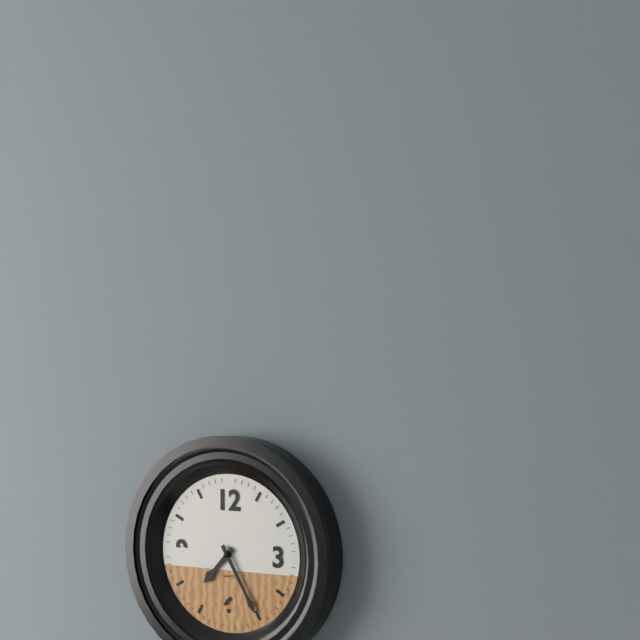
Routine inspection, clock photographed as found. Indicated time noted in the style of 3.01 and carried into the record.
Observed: 7.25
